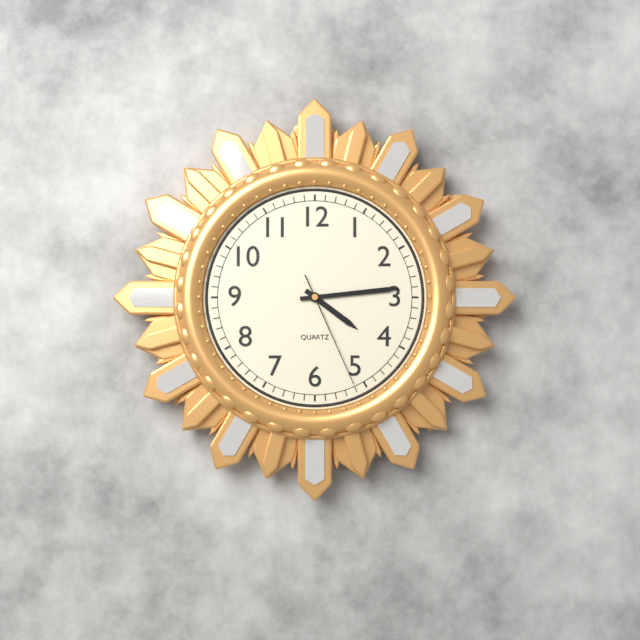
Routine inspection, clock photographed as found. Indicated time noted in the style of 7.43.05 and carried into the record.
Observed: 4.14.26
